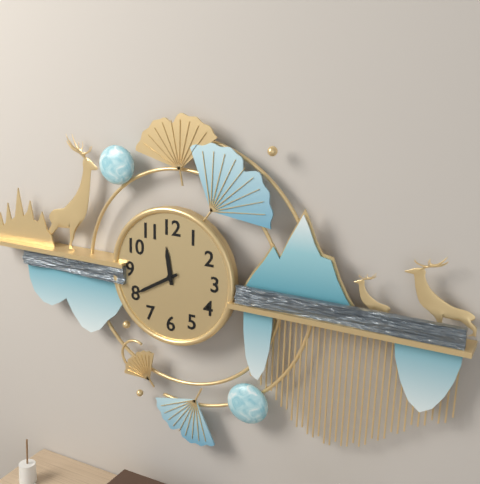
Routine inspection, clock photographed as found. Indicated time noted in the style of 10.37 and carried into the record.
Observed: 11.40
